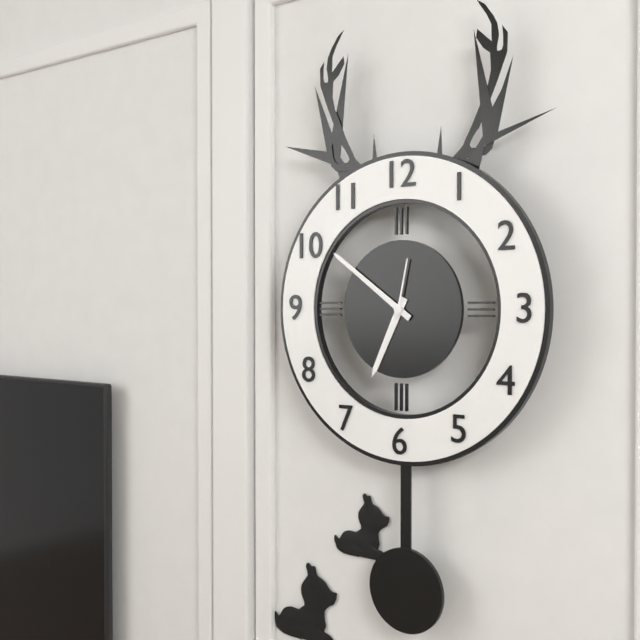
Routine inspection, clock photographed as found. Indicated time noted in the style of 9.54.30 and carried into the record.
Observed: 6.51.02
